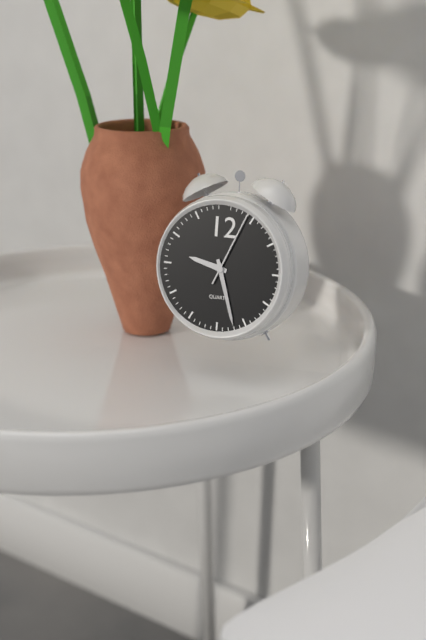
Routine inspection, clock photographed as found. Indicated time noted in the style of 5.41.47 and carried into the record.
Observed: 9.27.04
